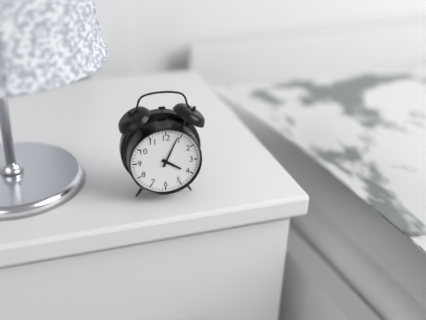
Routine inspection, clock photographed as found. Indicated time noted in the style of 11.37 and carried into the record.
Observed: 4.04
